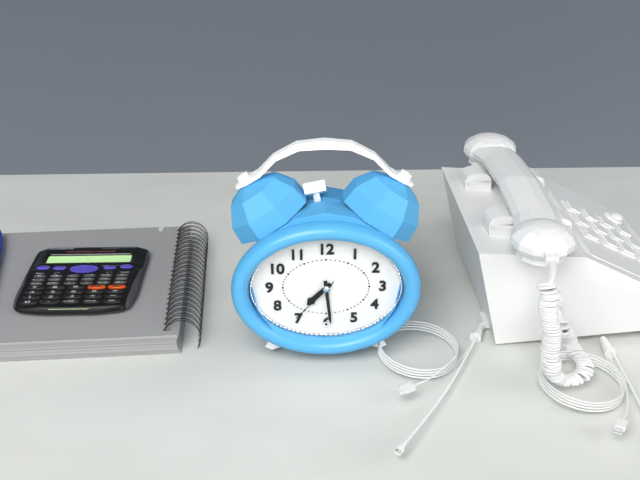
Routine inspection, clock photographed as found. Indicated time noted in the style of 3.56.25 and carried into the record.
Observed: 7.29.37
